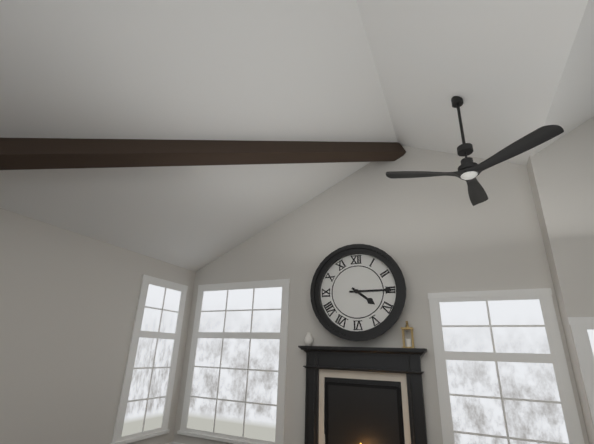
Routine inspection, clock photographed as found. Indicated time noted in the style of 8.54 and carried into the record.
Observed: 4.15
